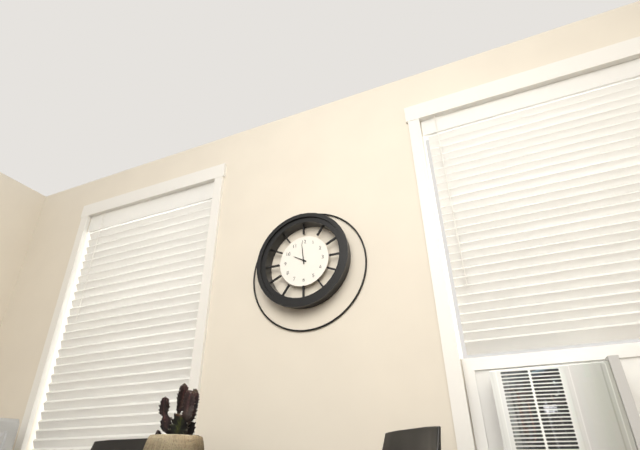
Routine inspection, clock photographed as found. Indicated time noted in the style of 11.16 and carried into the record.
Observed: 9.59
